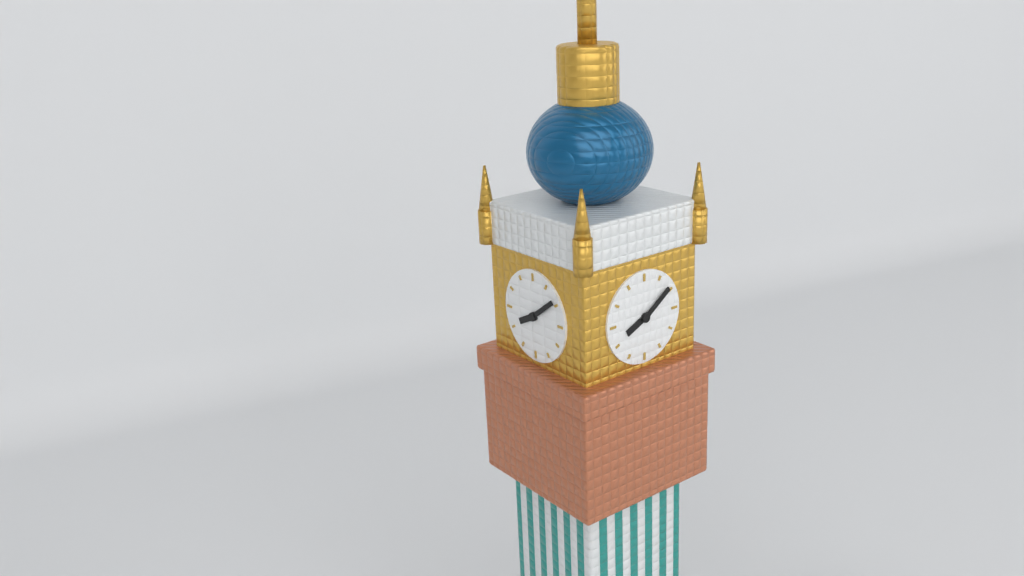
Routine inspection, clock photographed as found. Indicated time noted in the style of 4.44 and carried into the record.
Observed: 8.09
